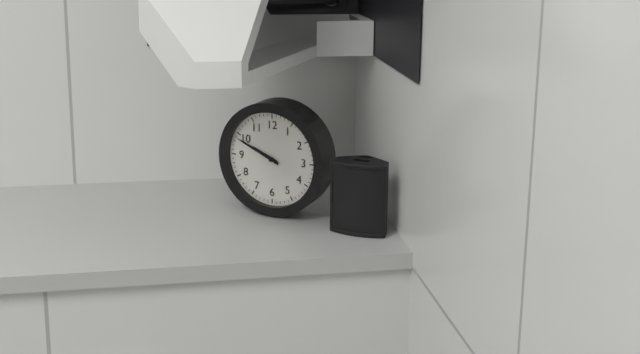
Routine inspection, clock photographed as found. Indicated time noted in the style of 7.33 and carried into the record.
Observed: 9.49
